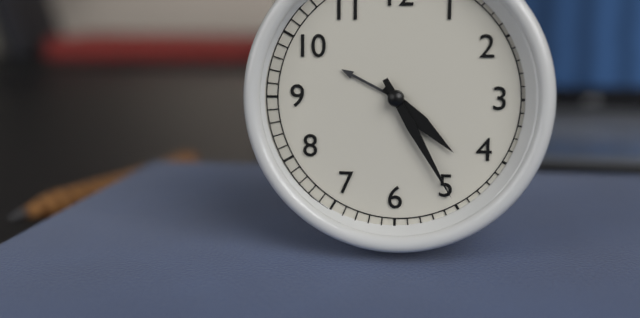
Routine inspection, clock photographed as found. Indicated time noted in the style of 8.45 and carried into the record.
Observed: 4.25
